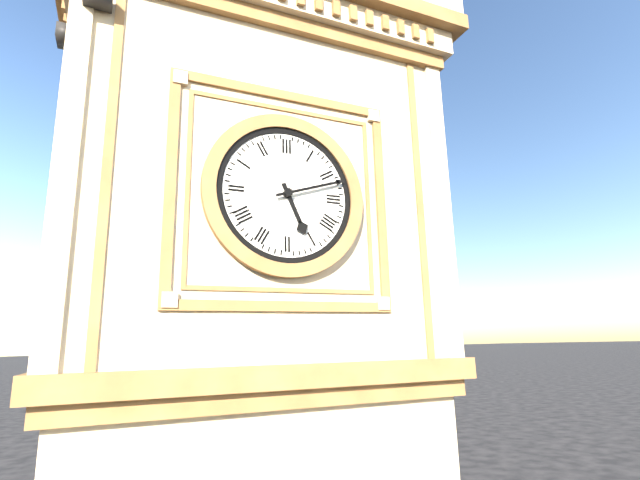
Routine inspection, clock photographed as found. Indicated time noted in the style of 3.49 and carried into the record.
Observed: 5.12
